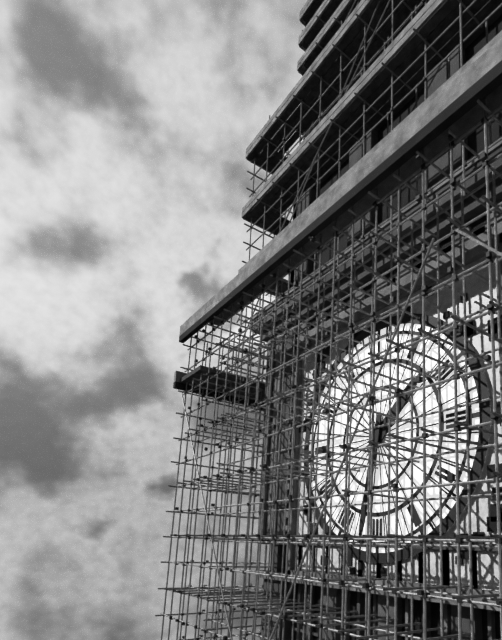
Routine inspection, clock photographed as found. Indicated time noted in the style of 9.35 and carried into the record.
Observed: 1.32
